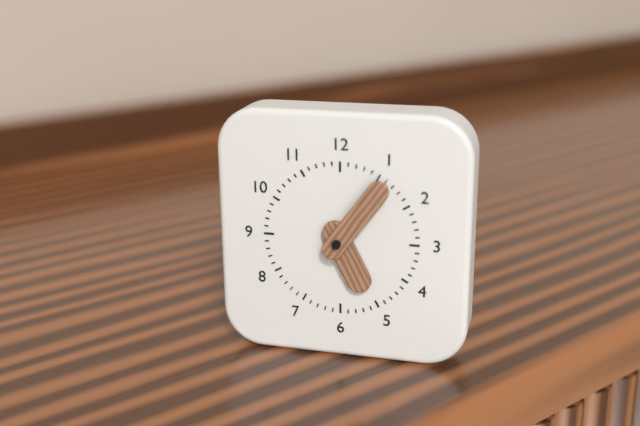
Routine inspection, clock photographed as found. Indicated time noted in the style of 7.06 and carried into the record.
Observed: 5.06
